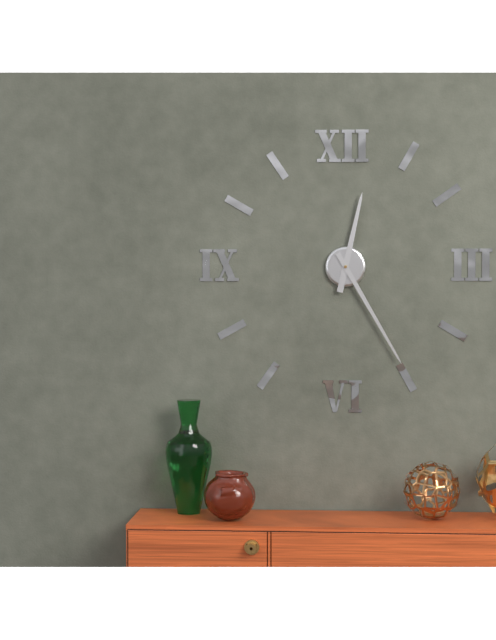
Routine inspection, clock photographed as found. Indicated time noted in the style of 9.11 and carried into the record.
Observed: 12.25
